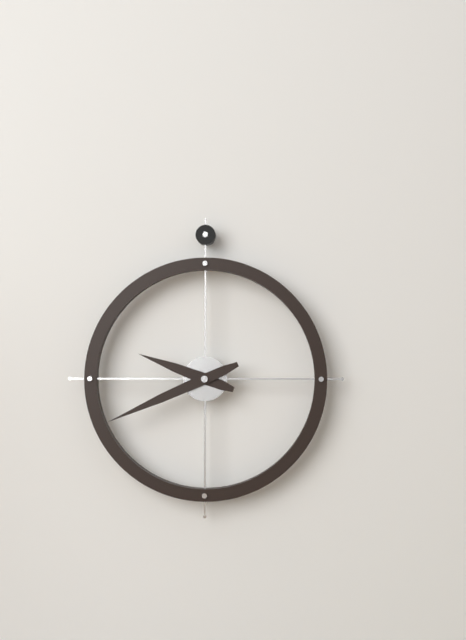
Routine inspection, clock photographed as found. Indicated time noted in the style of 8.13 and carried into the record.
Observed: 9.41
